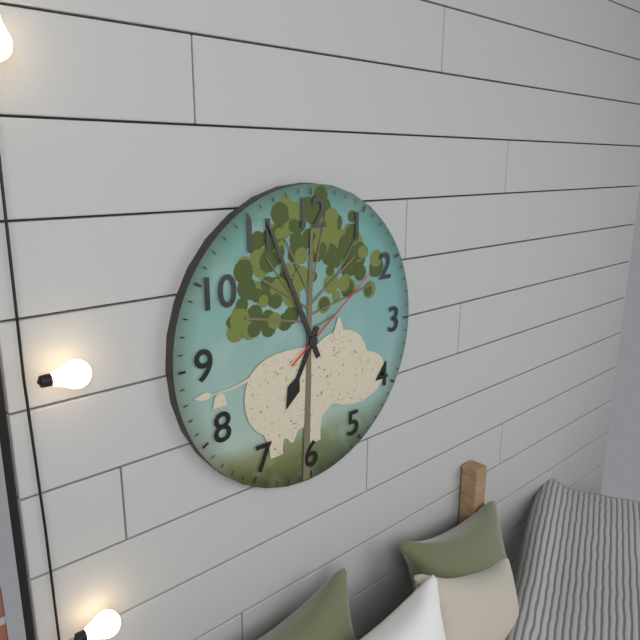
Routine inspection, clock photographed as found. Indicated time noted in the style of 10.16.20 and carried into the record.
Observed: 6.56.09
